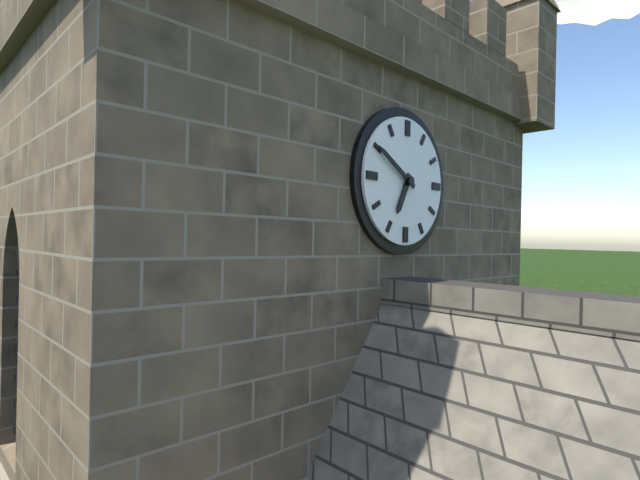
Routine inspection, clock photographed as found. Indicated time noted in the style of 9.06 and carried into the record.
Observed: 6.50
